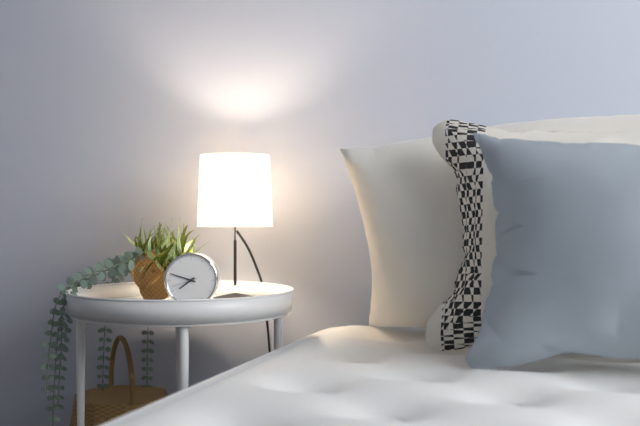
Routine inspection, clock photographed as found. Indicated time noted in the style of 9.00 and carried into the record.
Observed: 7.48
